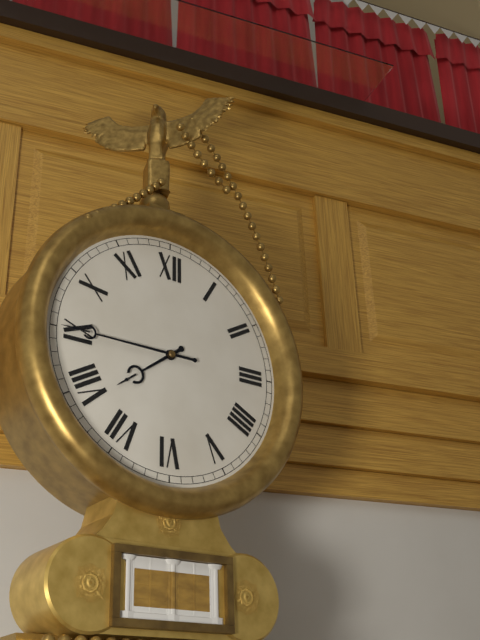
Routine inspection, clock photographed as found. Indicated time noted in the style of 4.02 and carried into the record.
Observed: 7.45
